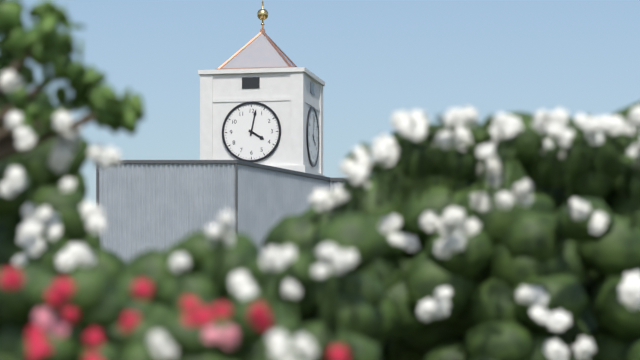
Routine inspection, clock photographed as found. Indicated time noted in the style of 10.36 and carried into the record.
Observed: 4.02
